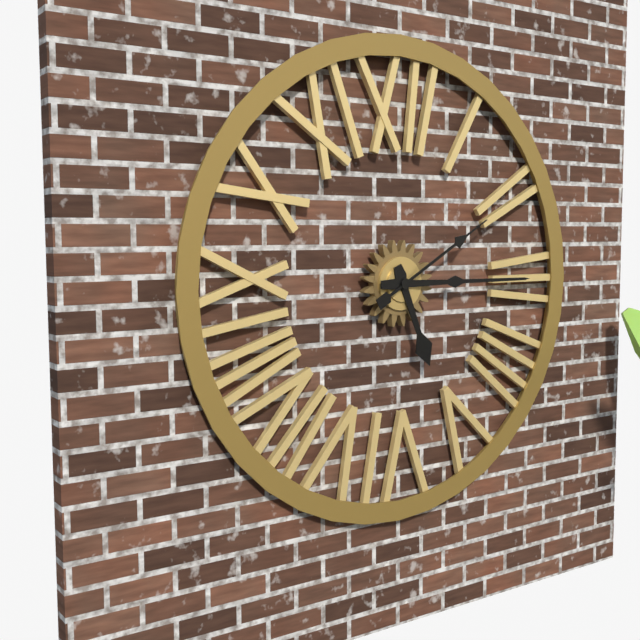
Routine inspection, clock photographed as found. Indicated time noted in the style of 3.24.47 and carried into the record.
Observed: 5.15.10
